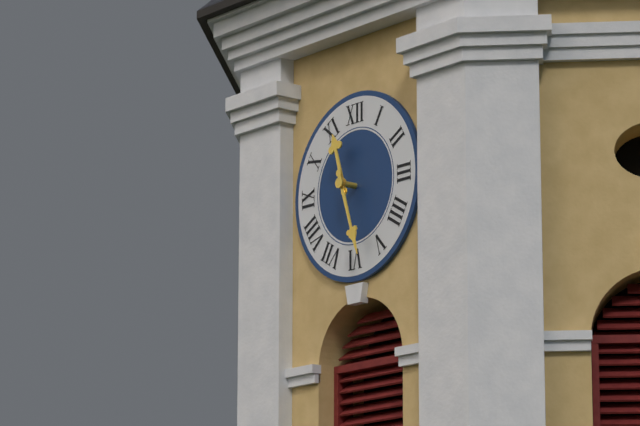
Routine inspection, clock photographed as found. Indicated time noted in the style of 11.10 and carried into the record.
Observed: 11.27
